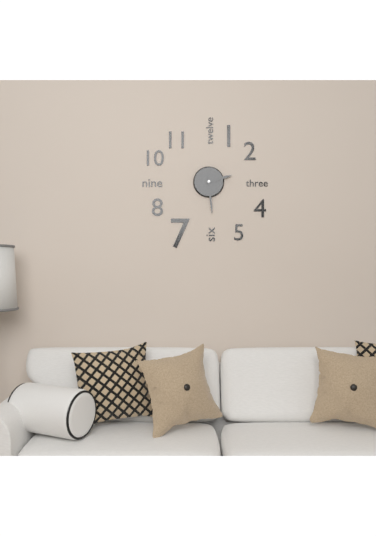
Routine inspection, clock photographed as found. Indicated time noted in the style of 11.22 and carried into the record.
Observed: 2.29
